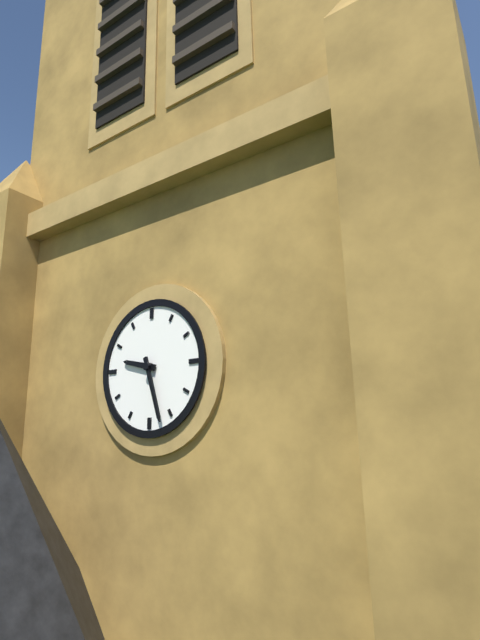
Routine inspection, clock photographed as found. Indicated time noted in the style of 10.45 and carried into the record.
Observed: 9.27
